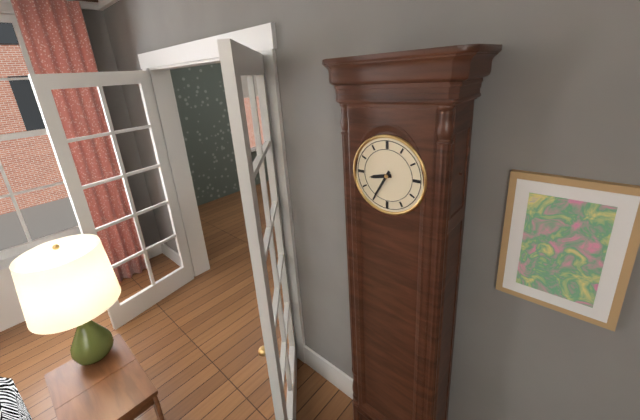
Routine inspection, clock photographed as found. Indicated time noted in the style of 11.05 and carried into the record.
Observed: 8.35
